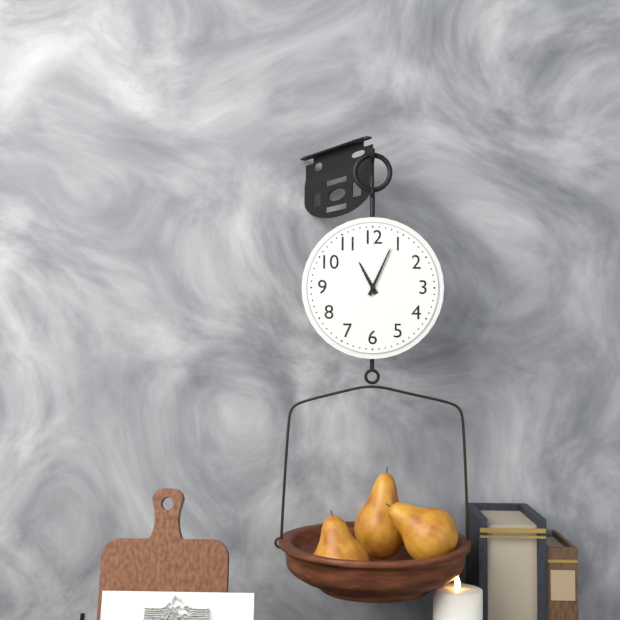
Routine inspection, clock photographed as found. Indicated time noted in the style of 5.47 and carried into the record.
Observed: 11.04
